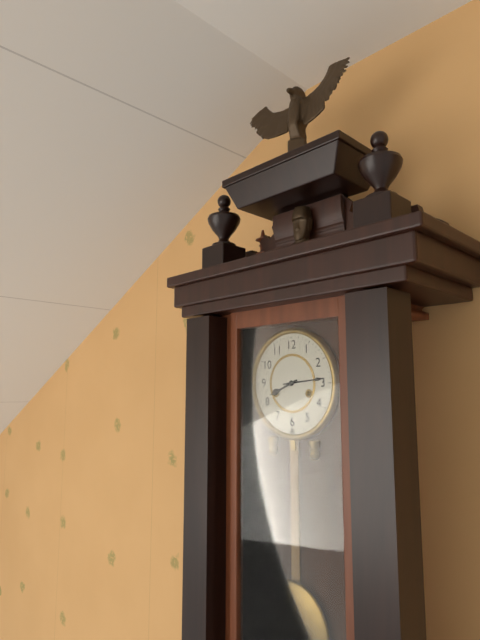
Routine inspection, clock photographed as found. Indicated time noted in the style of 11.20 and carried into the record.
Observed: 8.14
